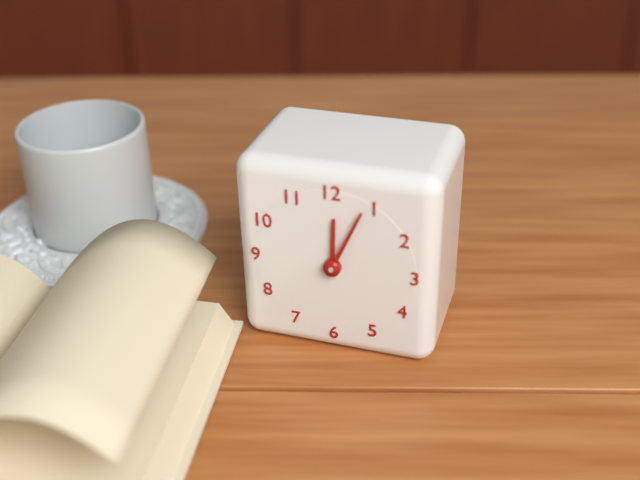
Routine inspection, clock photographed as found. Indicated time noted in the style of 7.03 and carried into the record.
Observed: 12.04
